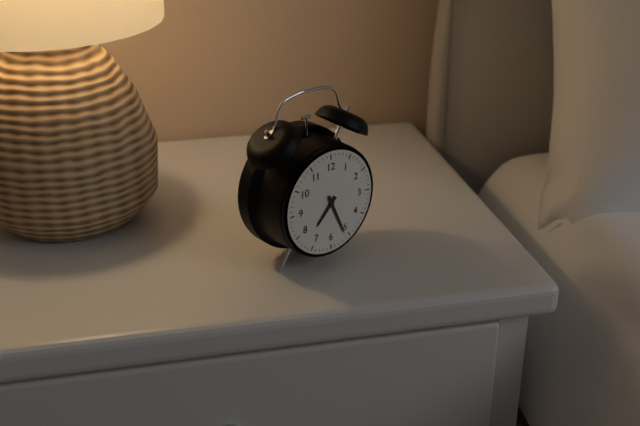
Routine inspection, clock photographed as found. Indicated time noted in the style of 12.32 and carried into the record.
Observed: 7.26
